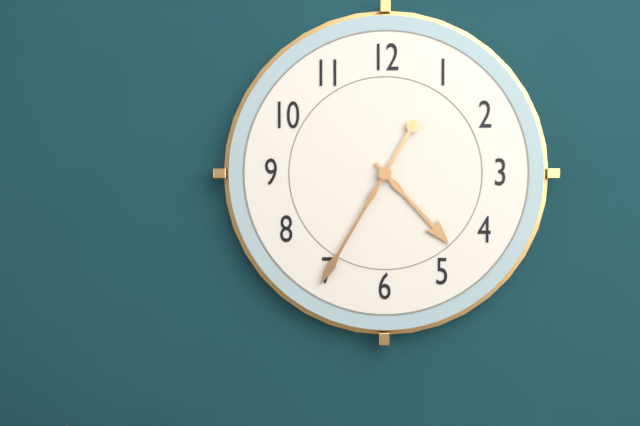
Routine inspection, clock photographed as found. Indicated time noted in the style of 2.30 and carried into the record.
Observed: 4.35
